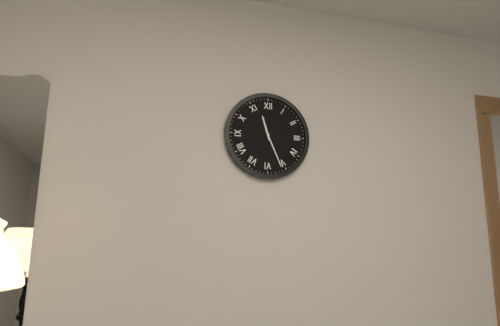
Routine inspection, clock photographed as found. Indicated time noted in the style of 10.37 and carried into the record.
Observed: 11.26
